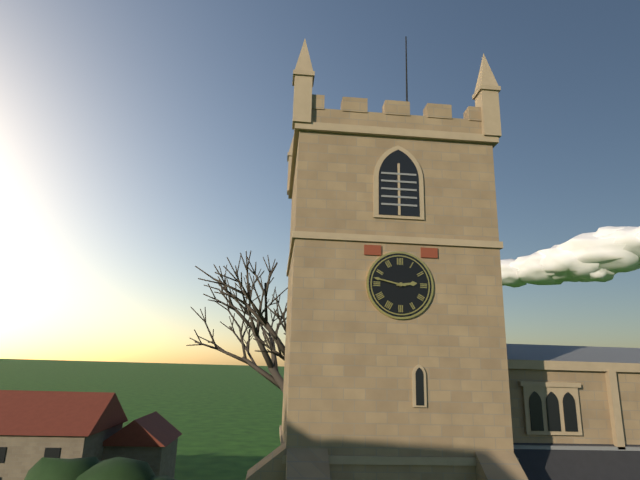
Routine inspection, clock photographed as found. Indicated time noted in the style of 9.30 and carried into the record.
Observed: 2.47
